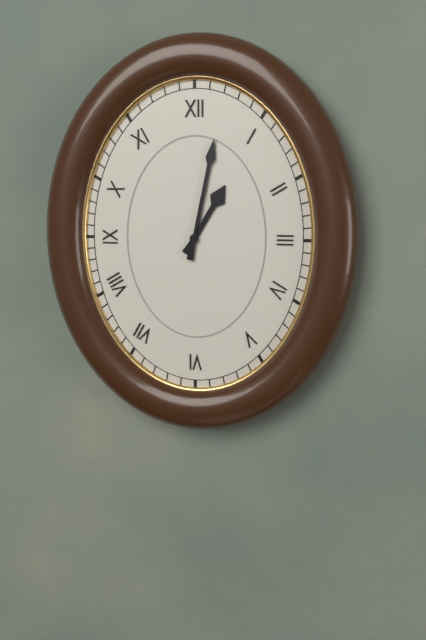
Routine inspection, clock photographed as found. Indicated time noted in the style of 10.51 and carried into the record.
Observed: 1.02
